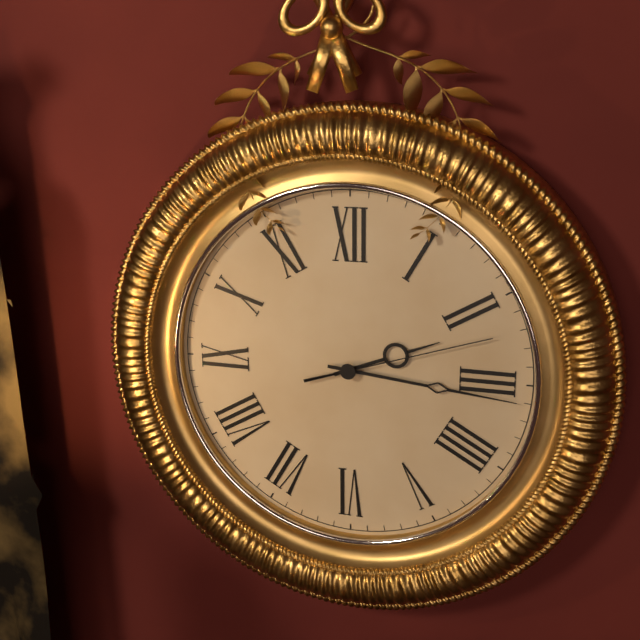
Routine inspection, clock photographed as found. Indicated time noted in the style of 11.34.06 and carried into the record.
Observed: 2.16.12
